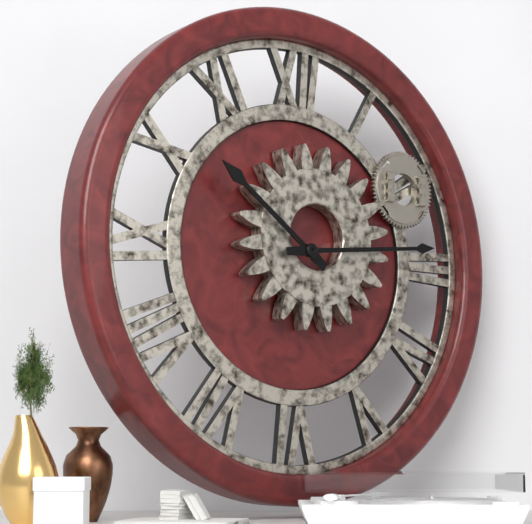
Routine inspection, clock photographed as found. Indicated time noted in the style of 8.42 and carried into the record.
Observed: 10.14
